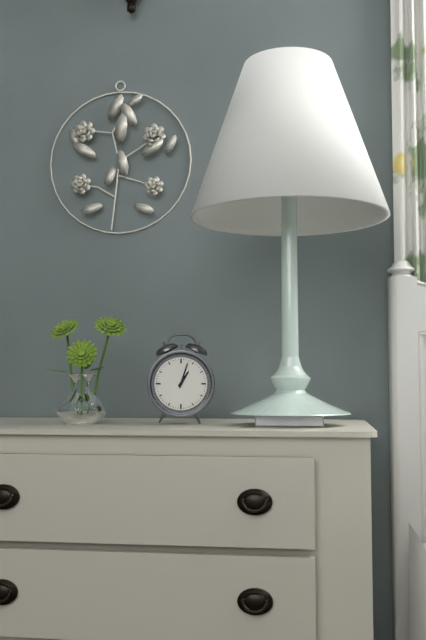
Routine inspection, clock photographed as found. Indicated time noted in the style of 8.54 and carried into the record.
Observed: 1.03
